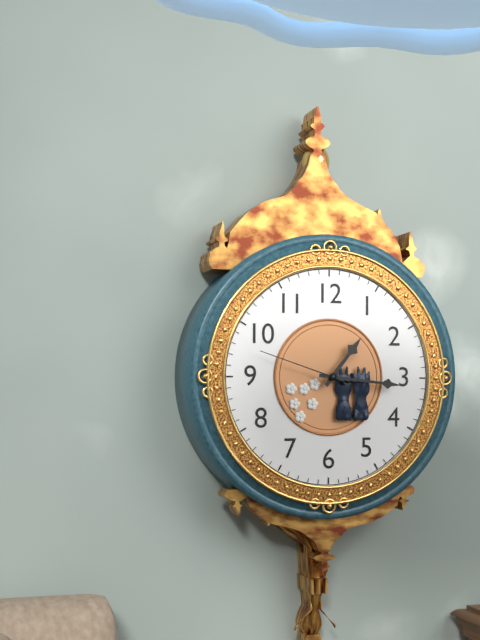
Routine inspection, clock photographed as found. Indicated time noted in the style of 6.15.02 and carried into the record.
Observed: 1.16.48
